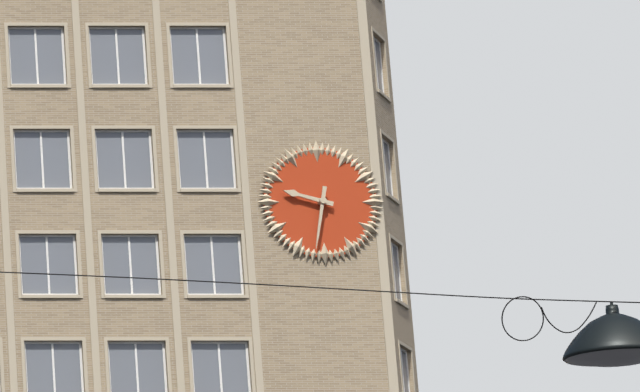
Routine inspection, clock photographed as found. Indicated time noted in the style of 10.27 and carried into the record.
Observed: 9.32
